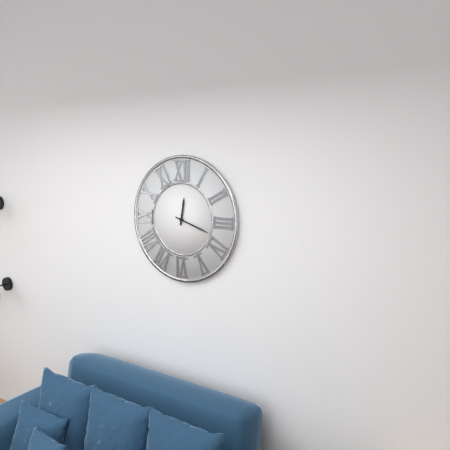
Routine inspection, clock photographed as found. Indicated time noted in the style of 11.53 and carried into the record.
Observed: 12.18
